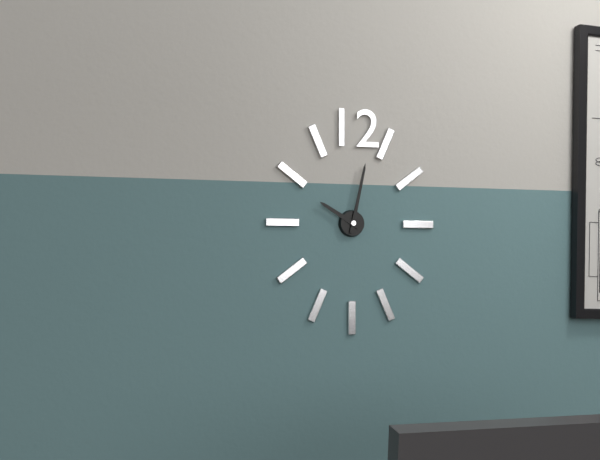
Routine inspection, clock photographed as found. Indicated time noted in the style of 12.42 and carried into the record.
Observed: 10.02
